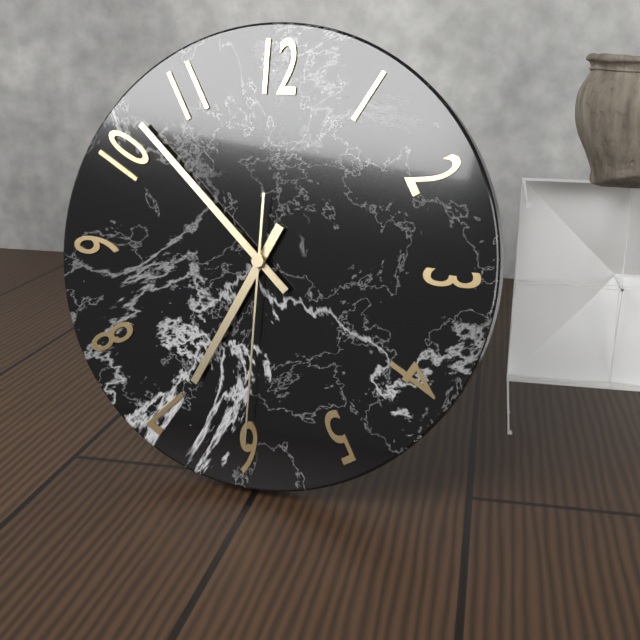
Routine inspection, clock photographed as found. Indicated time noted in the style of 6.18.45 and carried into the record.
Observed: 6.52.30
